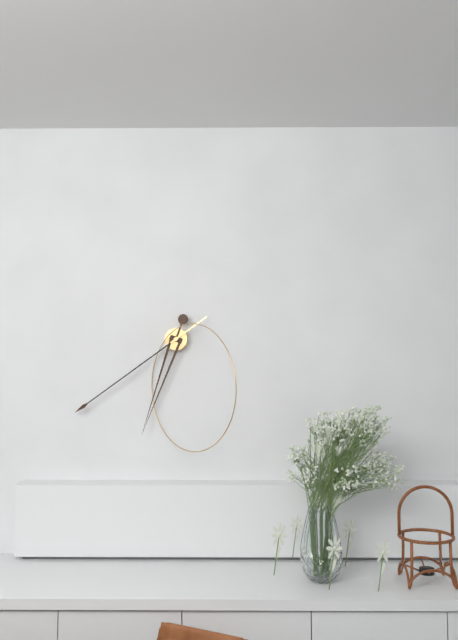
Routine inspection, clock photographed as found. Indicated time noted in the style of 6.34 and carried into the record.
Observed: 6.39
